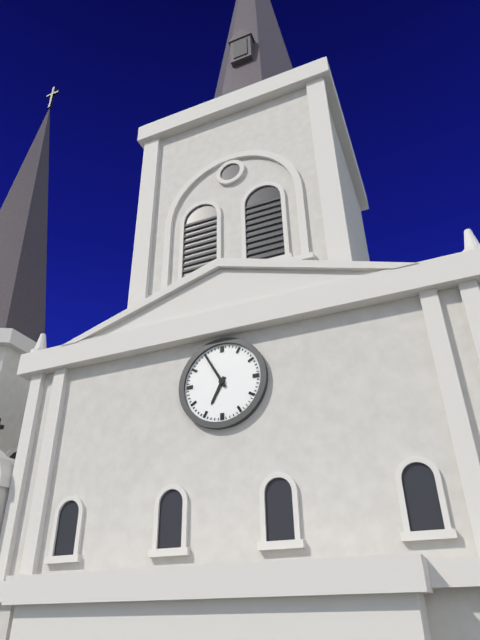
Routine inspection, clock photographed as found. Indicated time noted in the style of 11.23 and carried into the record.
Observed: 6.55
